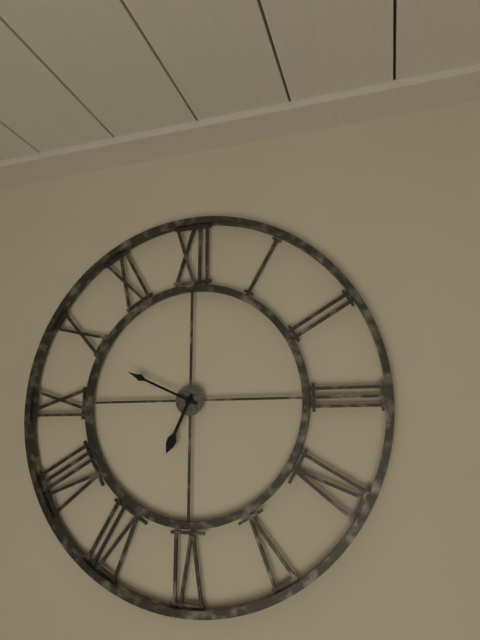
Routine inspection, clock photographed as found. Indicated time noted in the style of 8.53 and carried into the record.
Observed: 6.49
